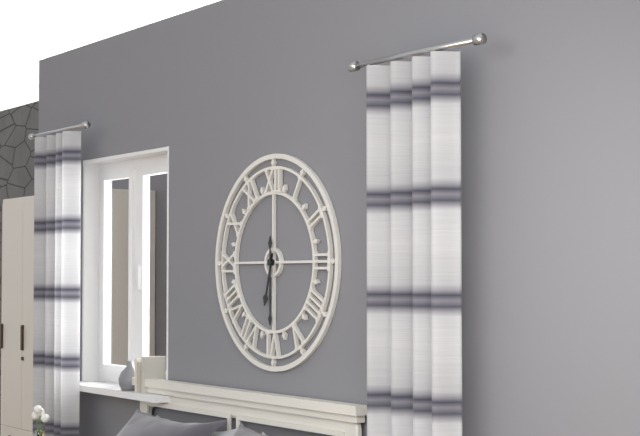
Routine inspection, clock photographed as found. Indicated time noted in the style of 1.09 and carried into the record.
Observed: 6.30
